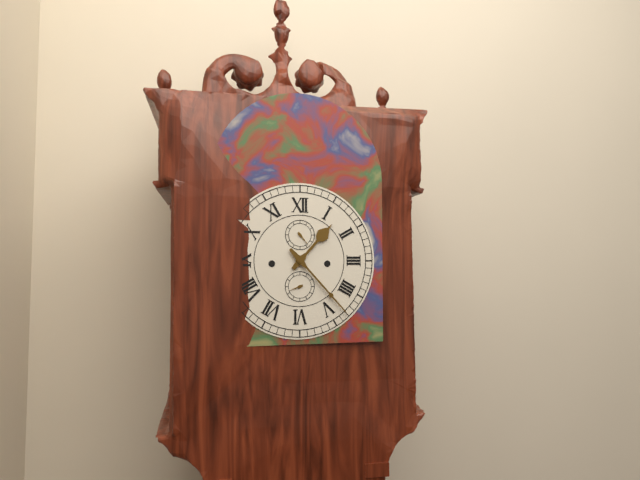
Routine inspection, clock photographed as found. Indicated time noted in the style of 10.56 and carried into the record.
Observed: 1.23
